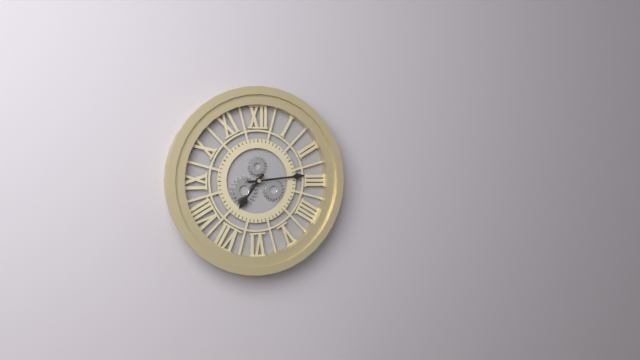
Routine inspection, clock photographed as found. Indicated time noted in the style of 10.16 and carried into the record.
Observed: 7.14
